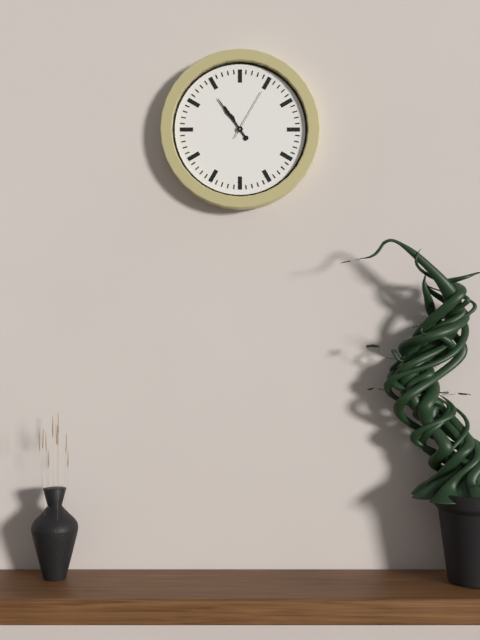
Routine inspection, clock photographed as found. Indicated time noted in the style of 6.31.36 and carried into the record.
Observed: 10.54.05
